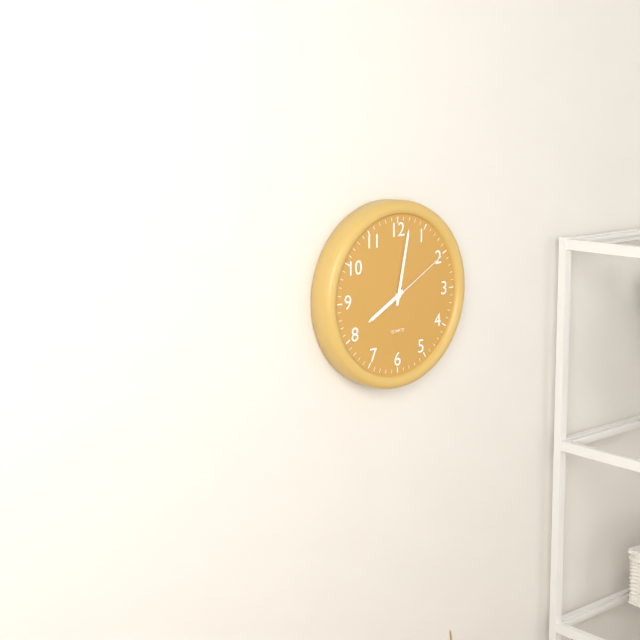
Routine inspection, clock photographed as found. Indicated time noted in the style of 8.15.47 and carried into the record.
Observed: 8.02.10
